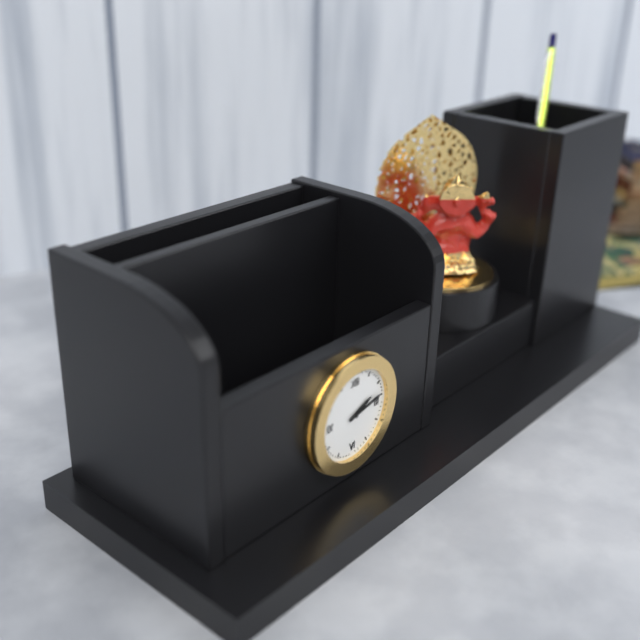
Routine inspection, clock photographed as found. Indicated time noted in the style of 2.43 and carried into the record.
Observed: 2.13
